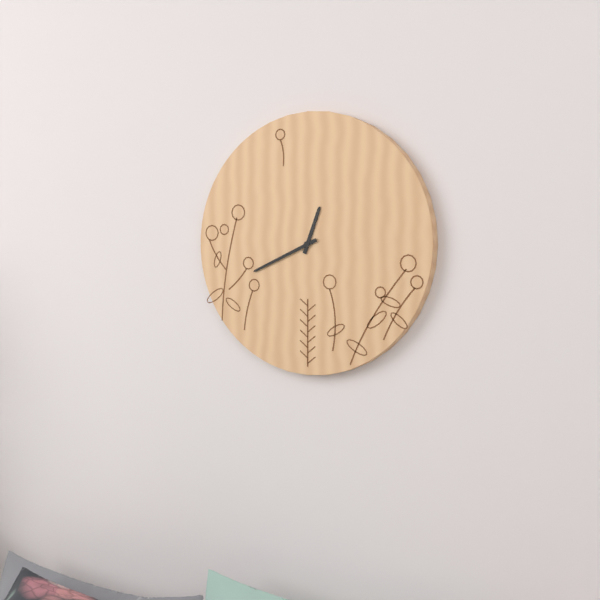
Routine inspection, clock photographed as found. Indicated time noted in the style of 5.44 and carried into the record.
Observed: 12.41
